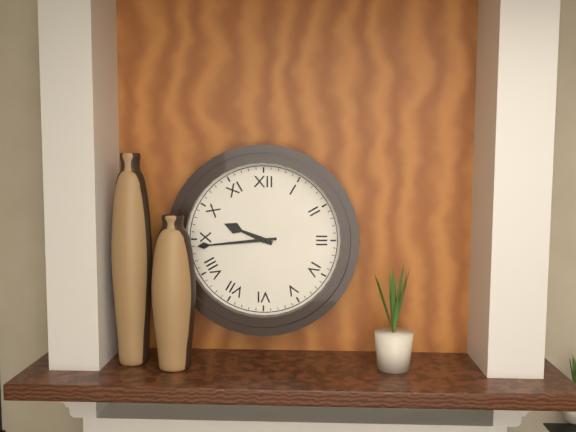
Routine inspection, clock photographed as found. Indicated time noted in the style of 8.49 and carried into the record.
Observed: 9.44
